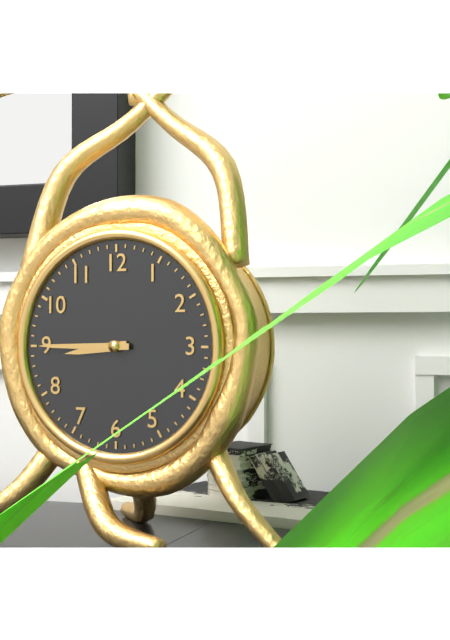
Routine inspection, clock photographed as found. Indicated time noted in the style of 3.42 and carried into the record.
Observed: 8.45
